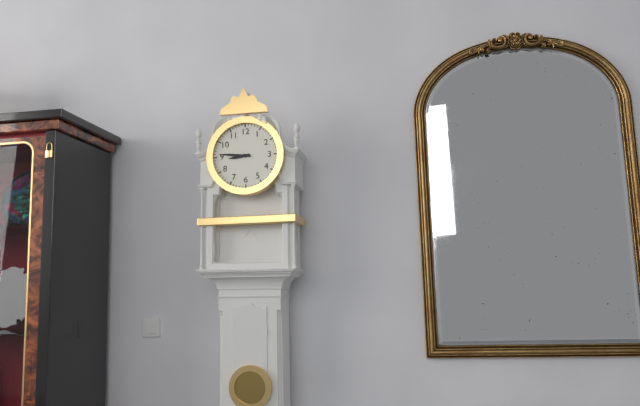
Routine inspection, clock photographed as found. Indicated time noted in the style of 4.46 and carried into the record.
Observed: 8.46
